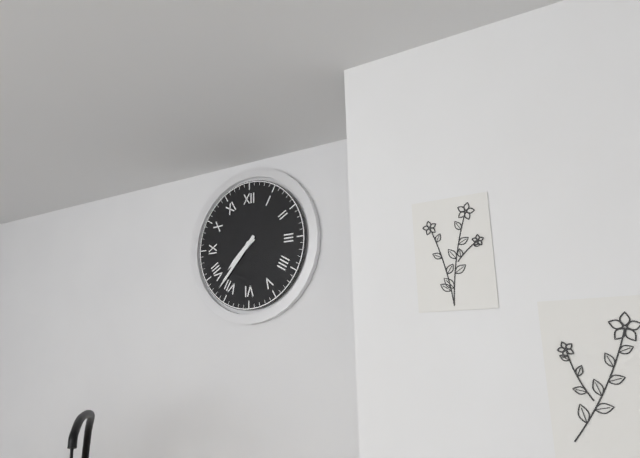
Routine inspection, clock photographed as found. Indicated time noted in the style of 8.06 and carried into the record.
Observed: 7.37
